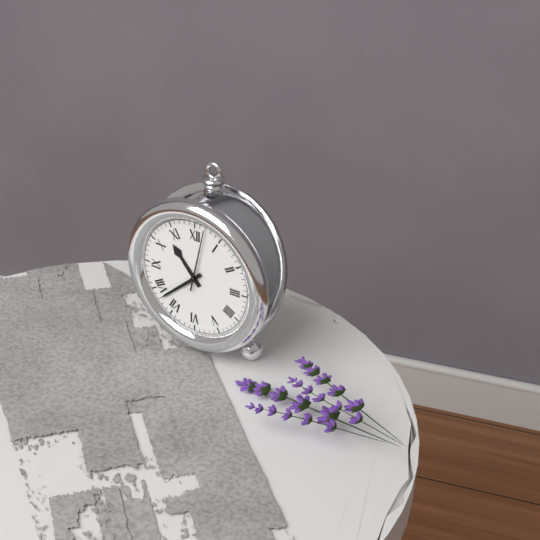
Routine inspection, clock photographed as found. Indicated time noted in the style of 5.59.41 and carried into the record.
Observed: 10.38.02
